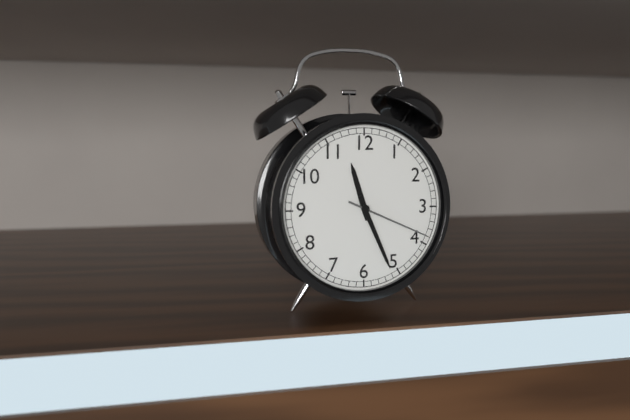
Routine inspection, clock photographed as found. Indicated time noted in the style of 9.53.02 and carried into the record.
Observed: 11.26.19
